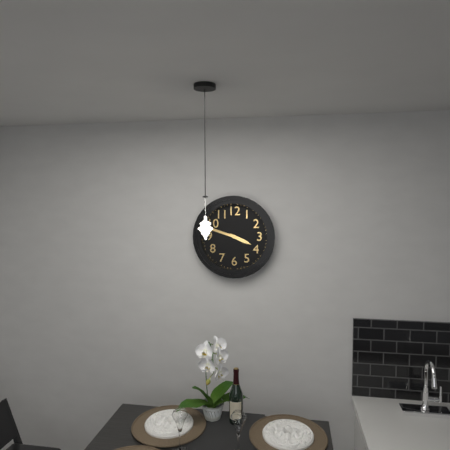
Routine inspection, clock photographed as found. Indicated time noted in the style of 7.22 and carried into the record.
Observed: 3.48
